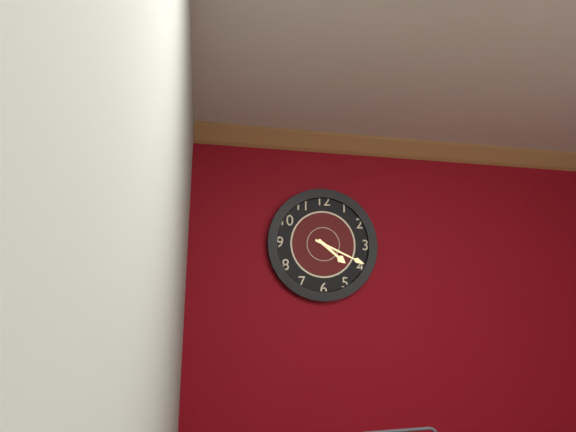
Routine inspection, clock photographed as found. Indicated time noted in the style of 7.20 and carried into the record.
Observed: 4.19
